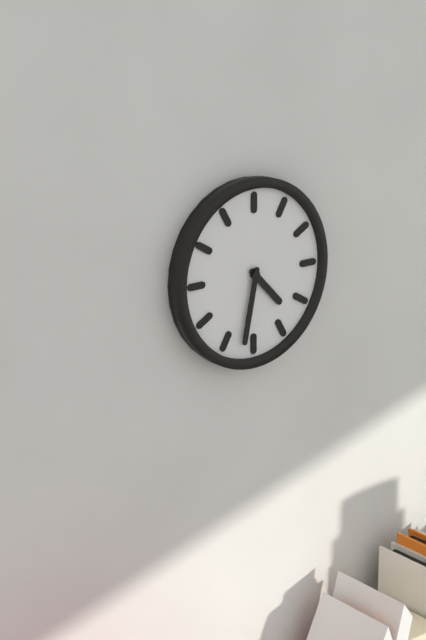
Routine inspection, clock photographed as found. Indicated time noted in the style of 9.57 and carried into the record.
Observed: 4.32
